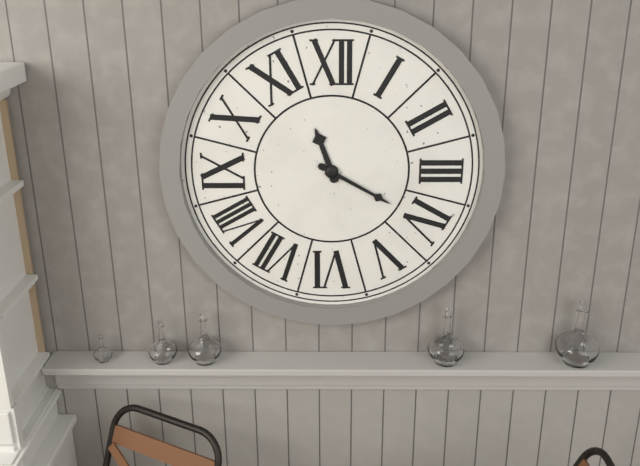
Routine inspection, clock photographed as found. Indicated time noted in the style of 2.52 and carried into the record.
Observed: 11.20
